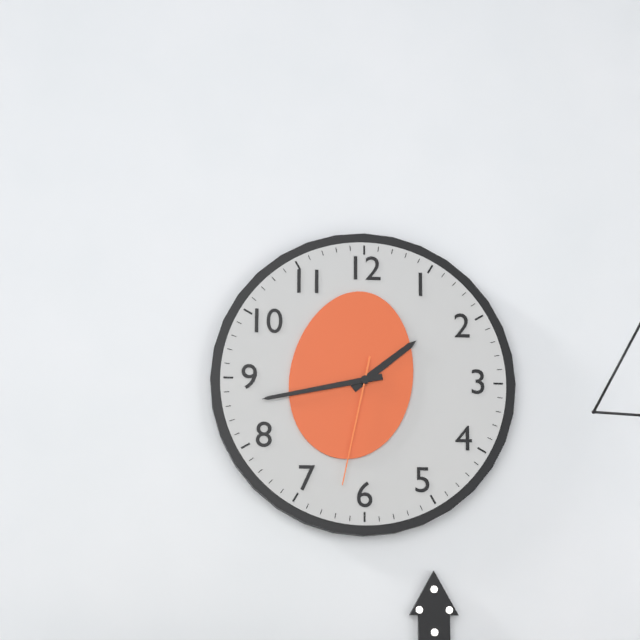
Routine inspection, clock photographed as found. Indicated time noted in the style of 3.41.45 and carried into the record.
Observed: 1.43.32
